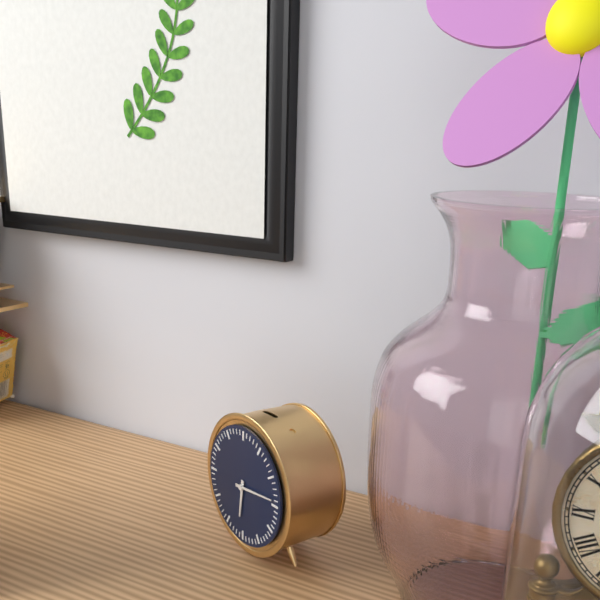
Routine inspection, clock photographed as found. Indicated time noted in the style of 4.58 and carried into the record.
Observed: 6.14
